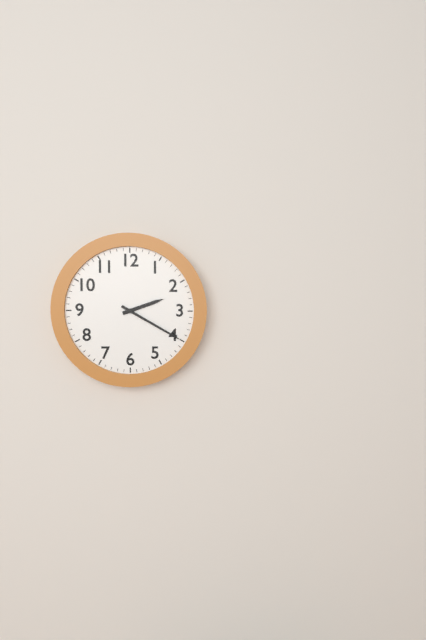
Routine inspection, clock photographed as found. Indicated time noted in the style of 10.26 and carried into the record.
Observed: 2.20
